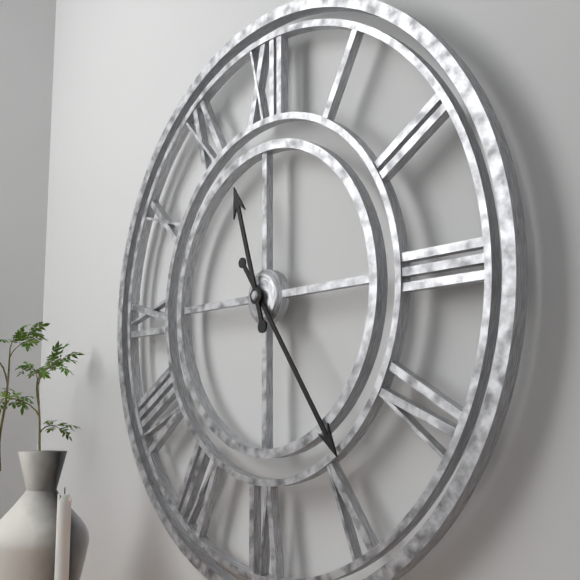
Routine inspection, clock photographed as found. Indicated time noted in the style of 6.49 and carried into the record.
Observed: 11.24
